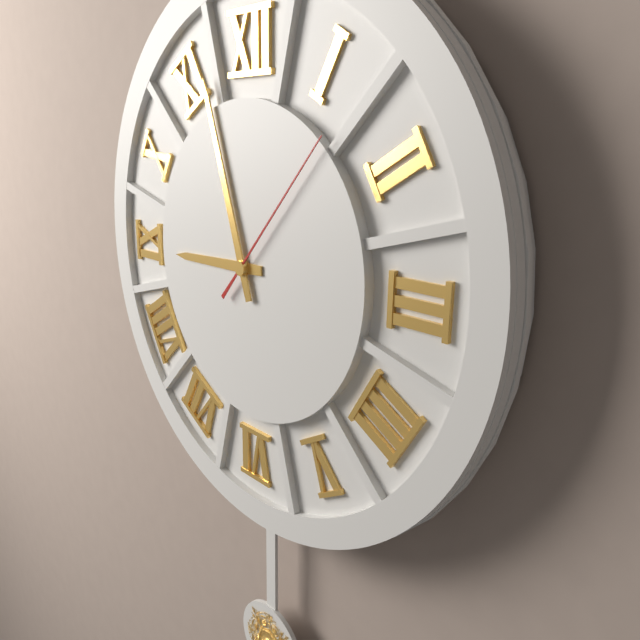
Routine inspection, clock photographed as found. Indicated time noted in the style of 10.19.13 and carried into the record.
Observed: 8.57.07
